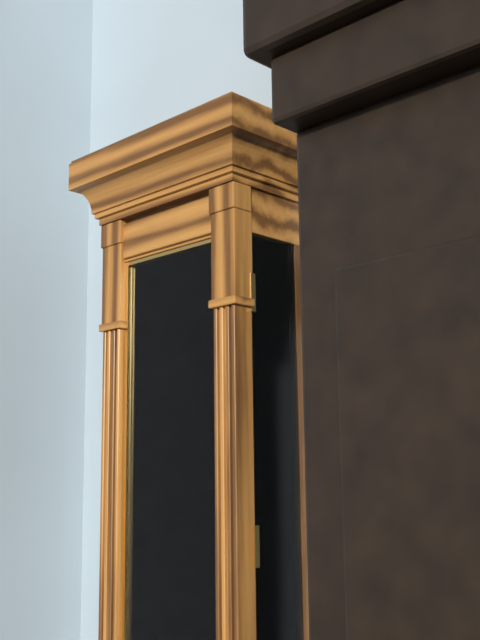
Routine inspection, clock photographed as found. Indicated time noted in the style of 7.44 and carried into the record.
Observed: 11.29
